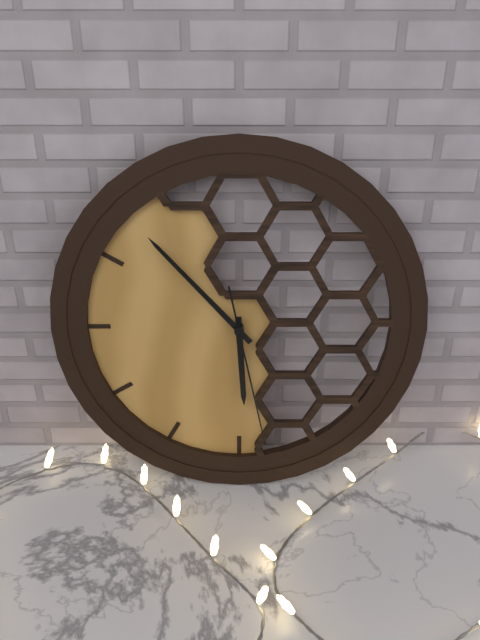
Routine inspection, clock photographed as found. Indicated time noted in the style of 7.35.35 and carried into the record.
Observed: 5.53.28
